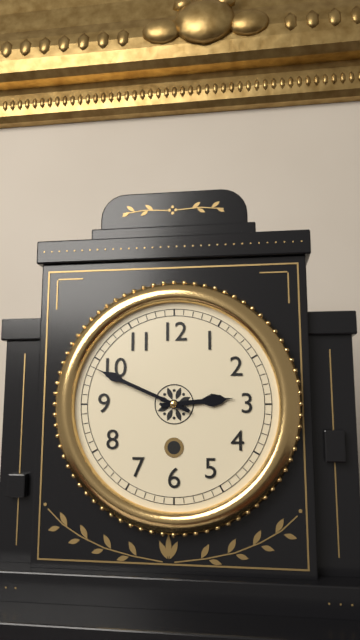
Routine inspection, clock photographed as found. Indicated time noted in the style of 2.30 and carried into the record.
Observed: 2.49
